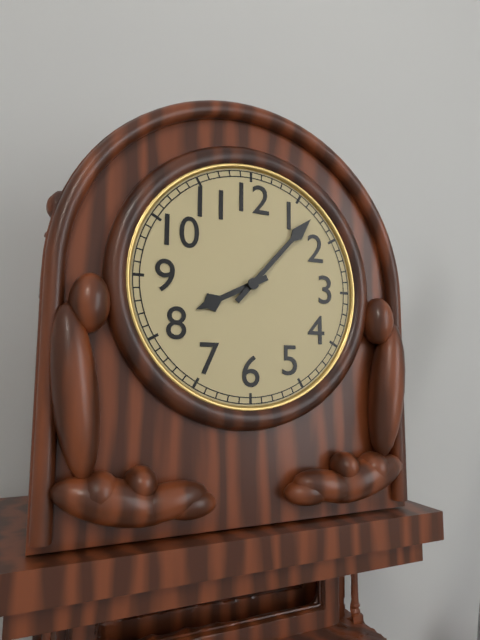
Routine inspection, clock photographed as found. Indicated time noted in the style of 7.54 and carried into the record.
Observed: 8.07
